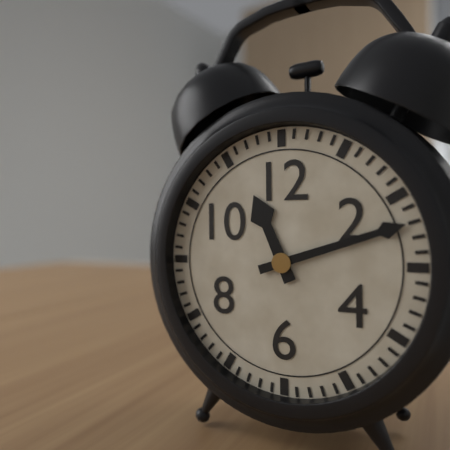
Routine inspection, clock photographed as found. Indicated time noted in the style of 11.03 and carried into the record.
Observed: 11.12
